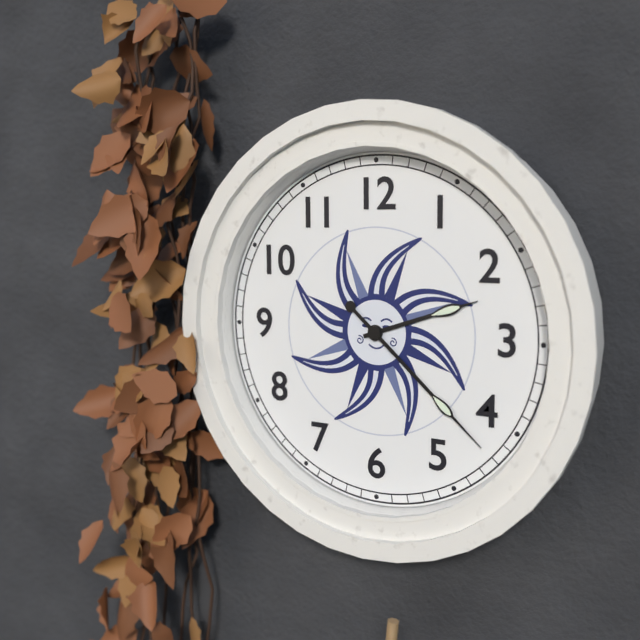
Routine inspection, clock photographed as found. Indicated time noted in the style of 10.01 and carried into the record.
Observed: 2.22
